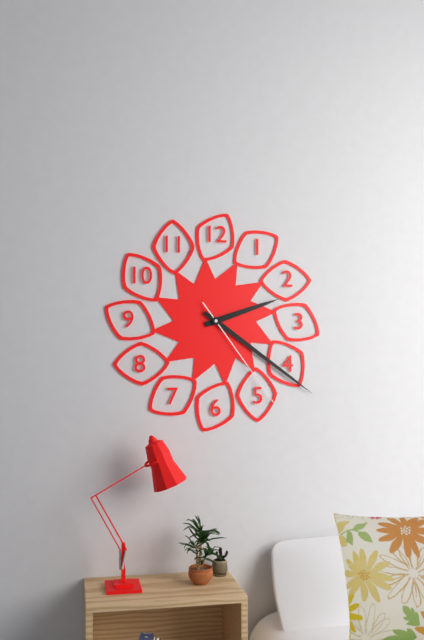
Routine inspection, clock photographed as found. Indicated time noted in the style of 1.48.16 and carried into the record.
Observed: 2.21.24
